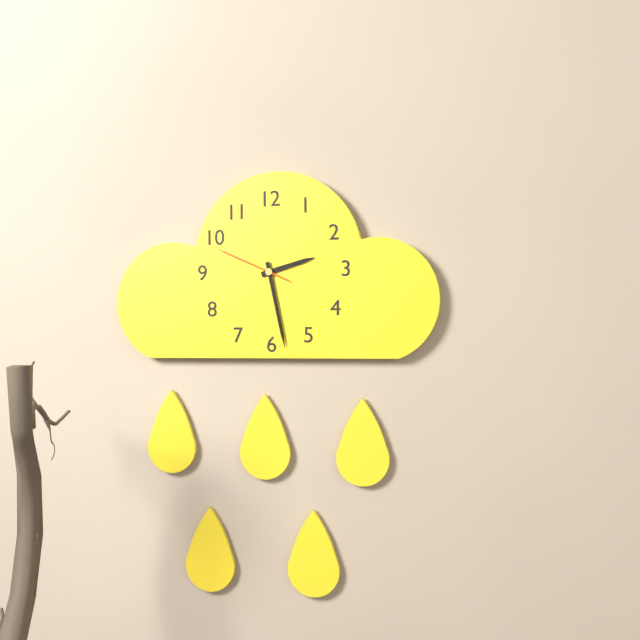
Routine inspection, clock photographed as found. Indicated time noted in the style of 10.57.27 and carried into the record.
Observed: 2.28.49
